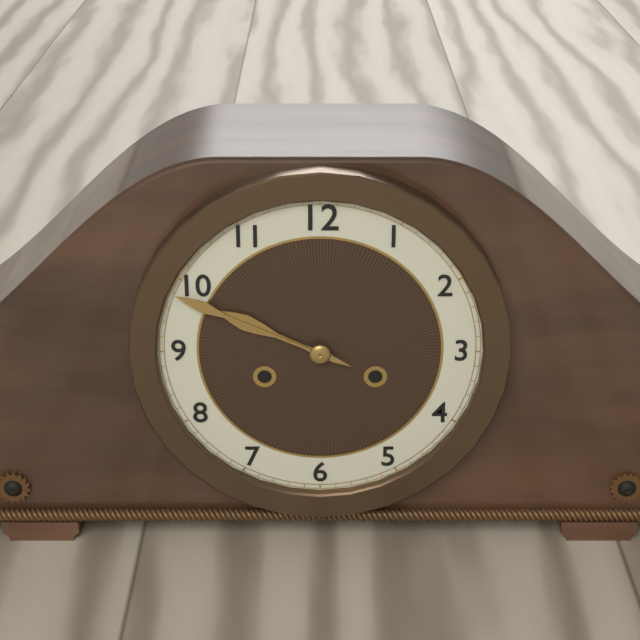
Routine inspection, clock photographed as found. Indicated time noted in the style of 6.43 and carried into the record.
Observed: 9.49
